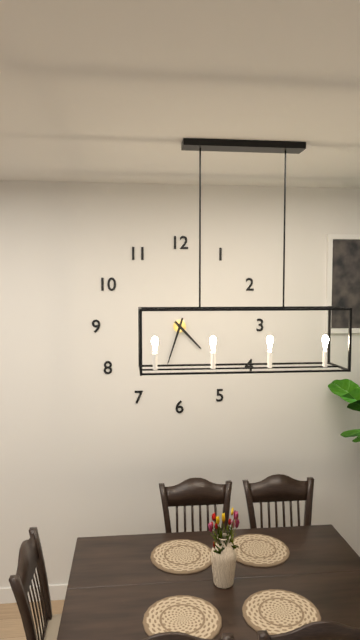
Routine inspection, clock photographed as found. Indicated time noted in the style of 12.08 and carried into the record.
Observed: 4.33
